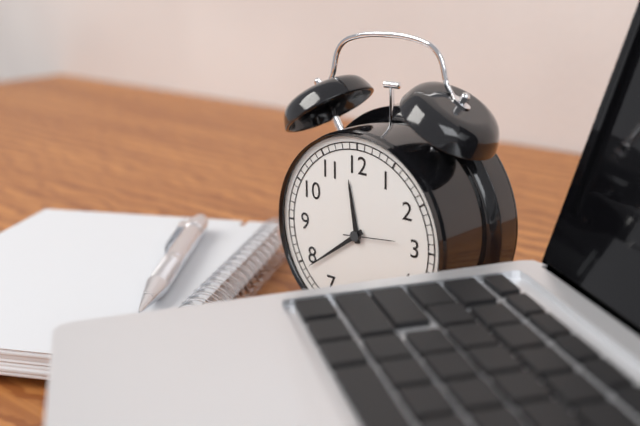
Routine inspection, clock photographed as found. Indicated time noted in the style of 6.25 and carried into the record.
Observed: 11.39
